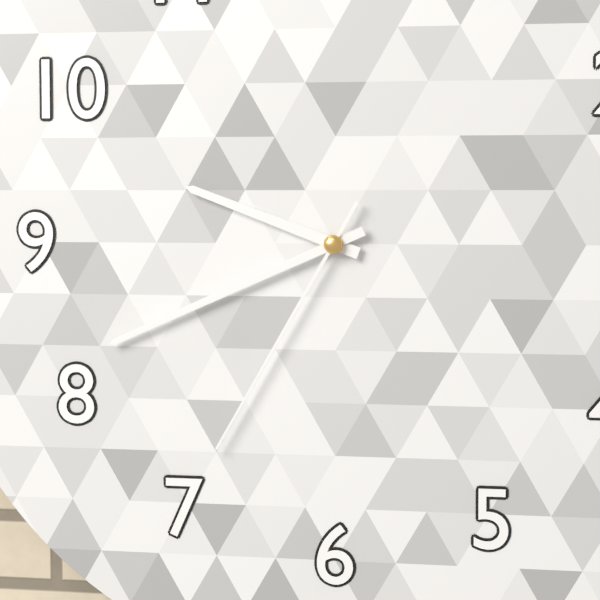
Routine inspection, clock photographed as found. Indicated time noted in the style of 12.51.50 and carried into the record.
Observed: 9.41.35
